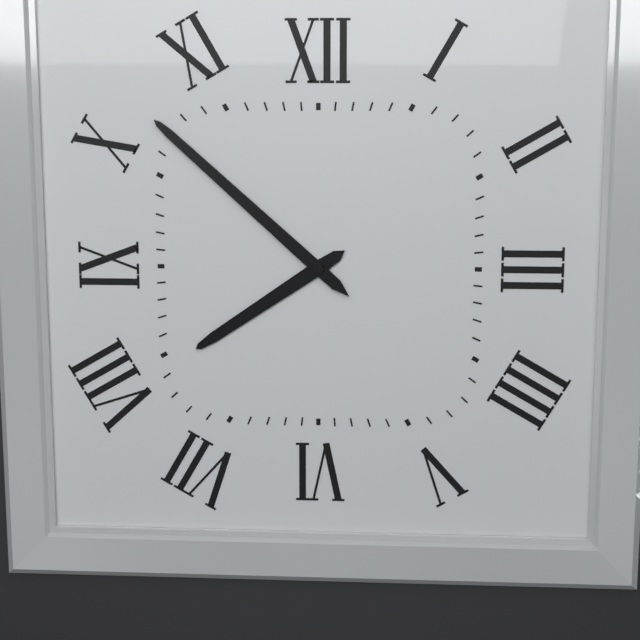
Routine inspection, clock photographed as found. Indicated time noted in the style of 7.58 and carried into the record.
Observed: 7.52
